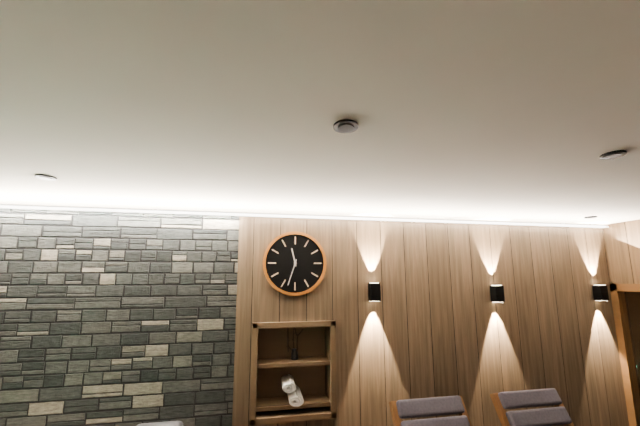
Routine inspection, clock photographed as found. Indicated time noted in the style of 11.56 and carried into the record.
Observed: 11.33
